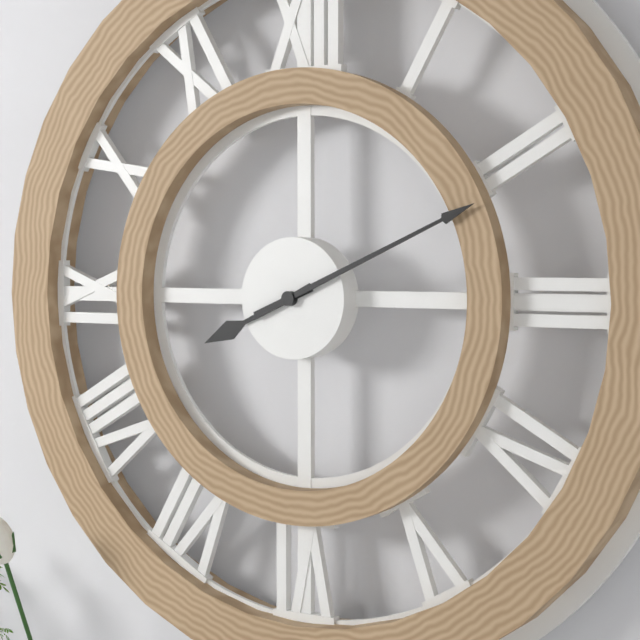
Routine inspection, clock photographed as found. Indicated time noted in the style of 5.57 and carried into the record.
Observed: 8.11
